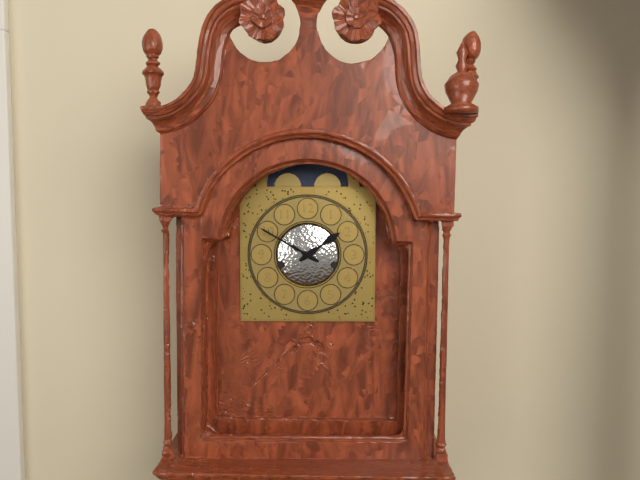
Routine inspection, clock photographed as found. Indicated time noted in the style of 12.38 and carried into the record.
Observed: 1.50
